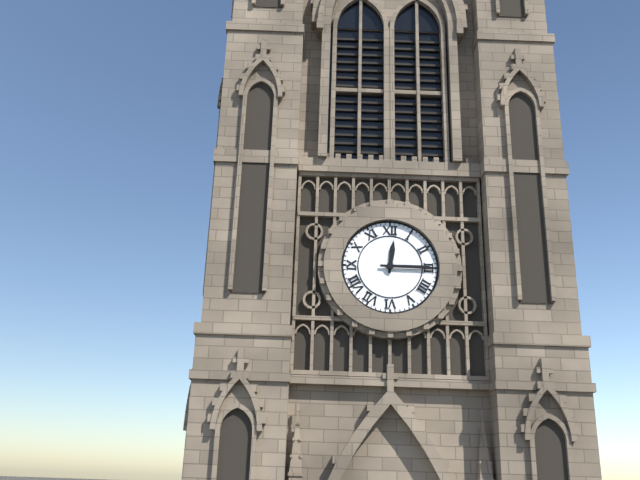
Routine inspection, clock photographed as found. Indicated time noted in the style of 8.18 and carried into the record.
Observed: 12.15
